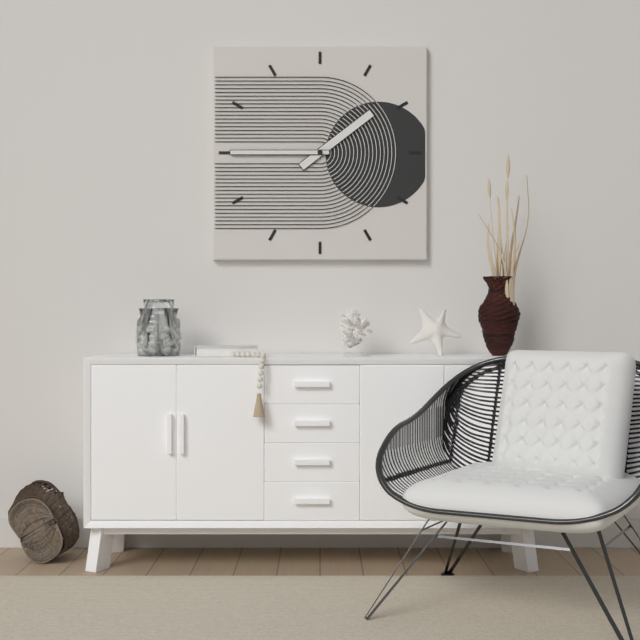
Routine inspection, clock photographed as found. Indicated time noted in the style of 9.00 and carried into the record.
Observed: 1.45
